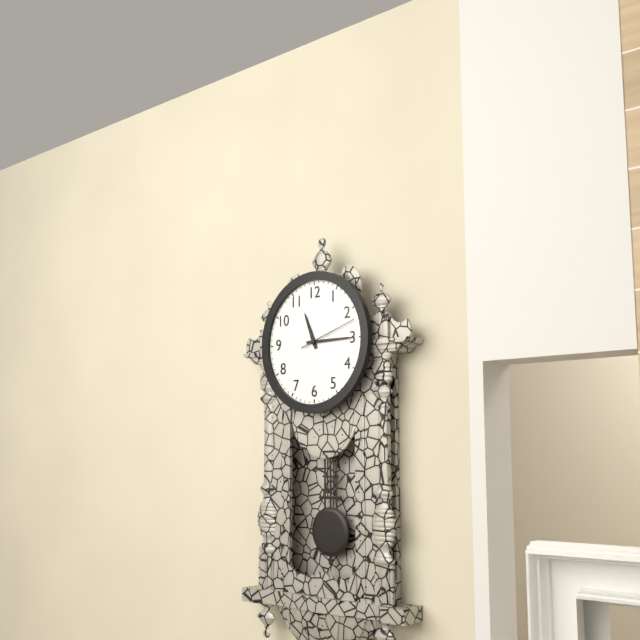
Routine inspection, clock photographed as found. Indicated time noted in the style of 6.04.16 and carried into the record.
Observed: 11.15.12
